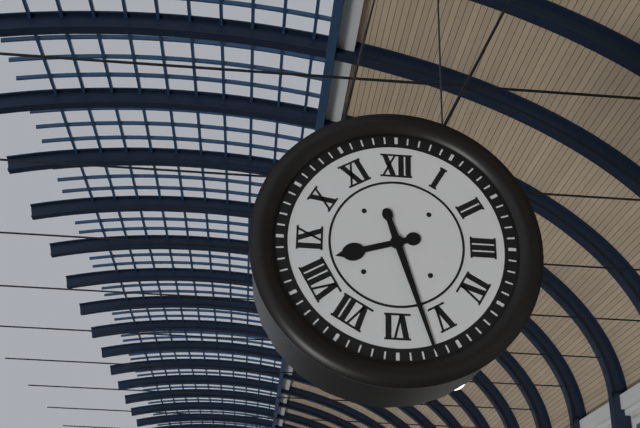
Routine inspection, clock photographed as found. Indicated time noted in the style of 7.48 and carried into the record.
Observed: 8.27
